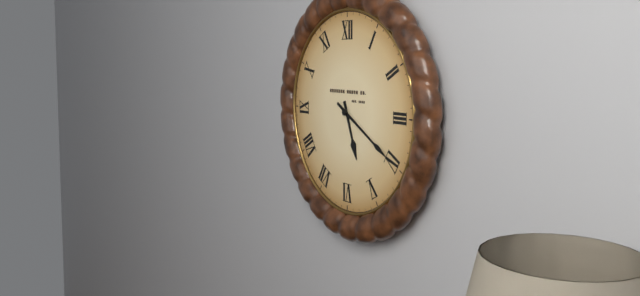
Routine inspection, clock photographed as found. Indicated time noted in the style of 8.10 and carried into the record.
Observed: 5.20
